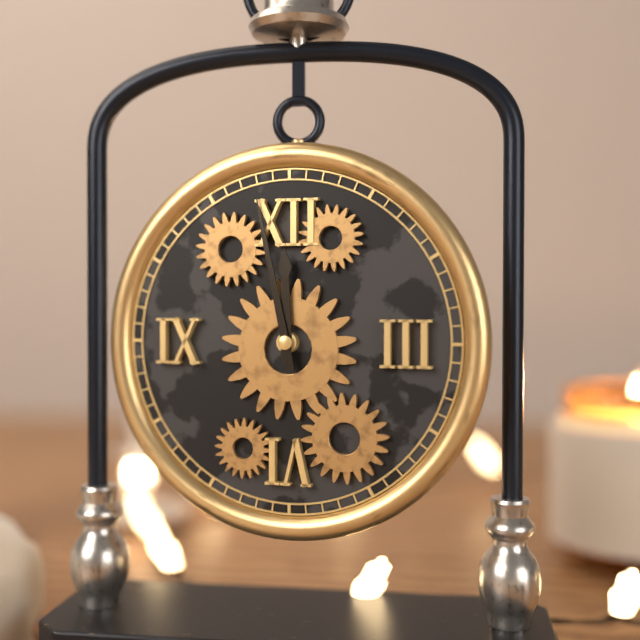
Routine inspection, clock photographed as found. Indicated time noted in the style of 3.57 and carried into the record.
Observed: 11.58
